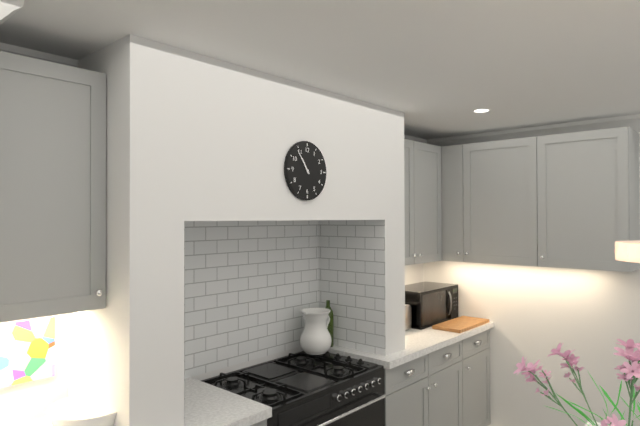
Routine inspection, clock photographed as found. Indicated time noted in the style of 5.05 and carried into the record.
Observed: 10.54
